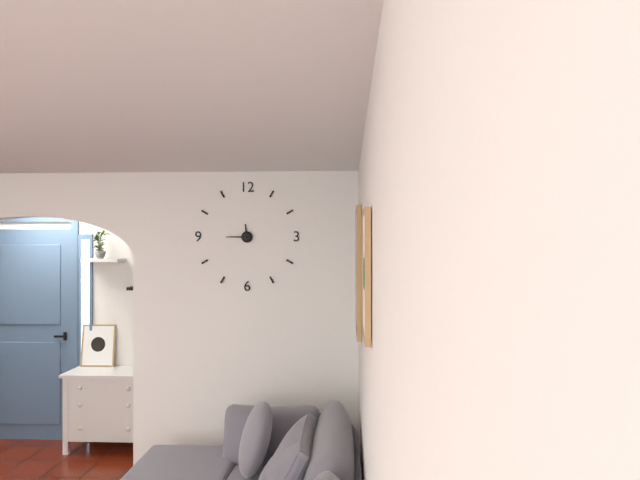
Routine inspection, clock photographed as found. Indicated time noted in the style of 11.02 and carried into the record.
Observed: 11.45
